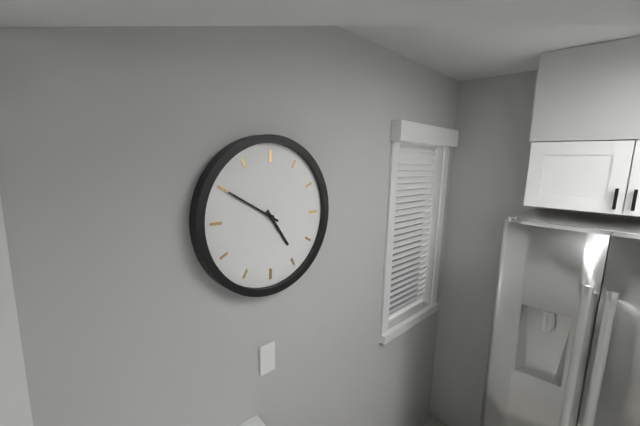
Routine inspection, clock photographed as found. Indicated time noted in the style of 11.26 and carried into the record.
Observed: 4.50
